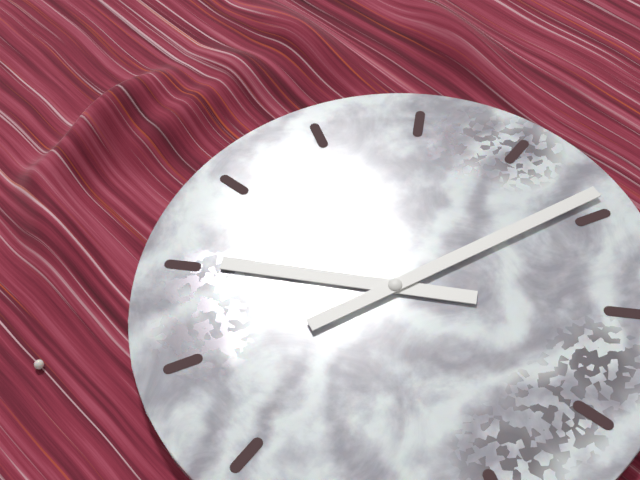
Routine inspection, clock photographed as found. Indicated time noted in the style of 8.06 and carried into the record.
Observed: 8.04
